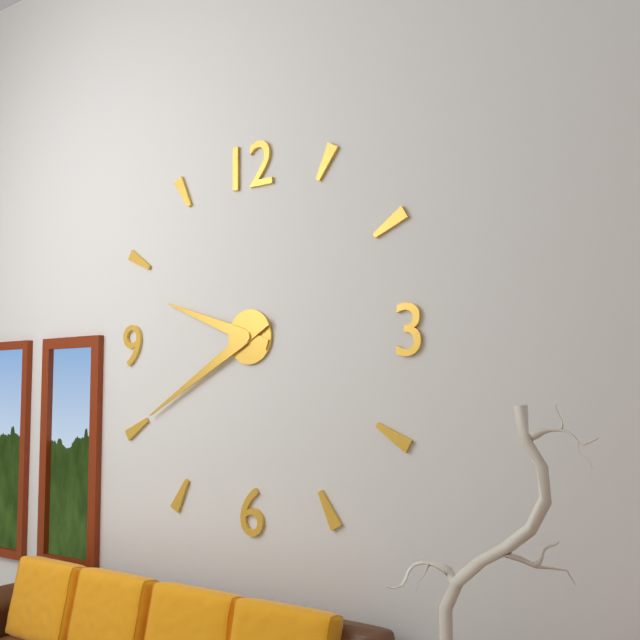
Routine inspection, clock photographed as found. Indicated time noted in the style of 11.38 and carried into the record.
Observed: 9.40
